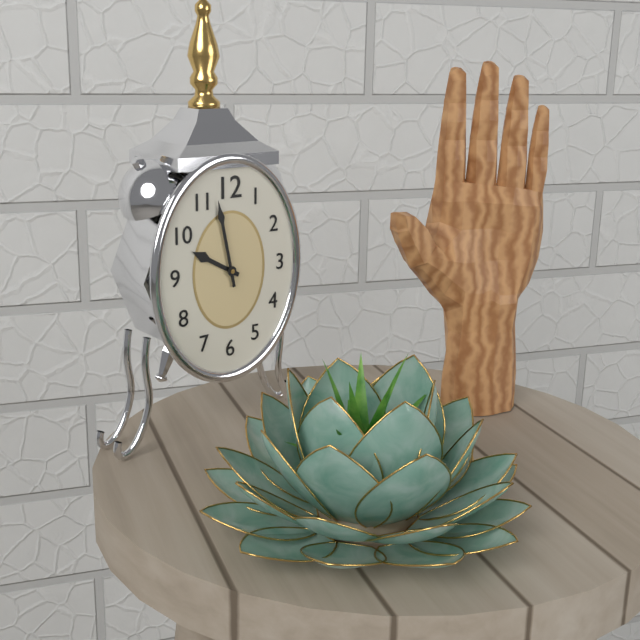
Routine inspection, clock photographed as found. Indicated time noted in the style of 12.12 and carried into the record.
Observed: 9.58
